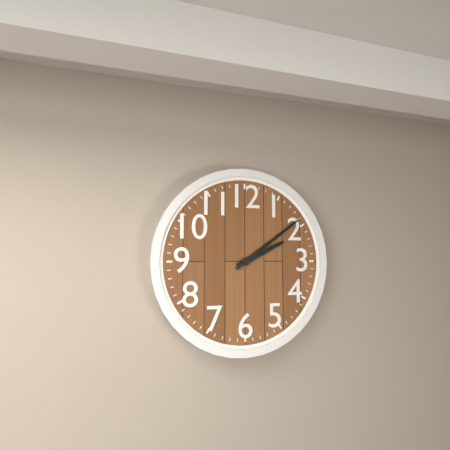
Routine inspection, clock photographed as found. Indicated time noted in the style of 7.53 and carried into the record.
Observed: 2.09
